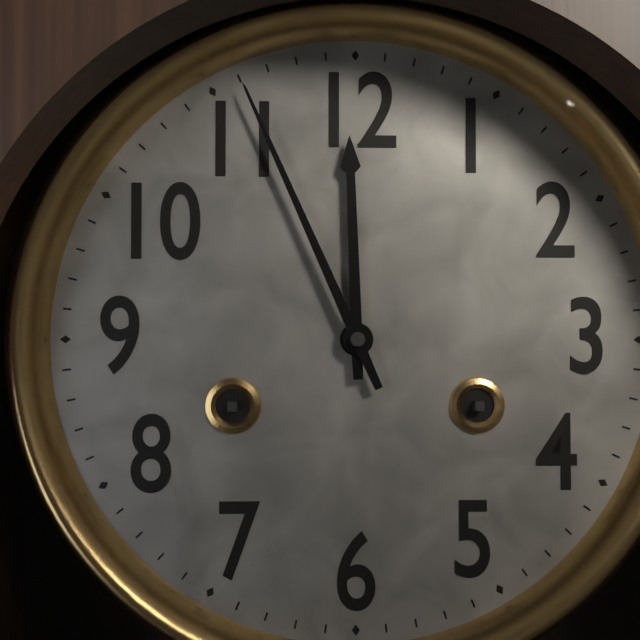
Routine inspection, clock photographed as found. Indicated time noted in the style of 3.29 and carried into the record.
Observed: 11.56
